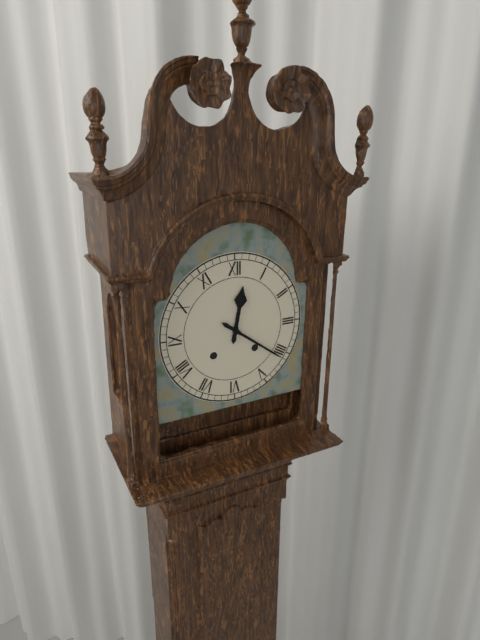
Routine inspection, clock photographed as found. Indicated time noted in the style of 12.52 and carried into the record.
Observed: 12.21
